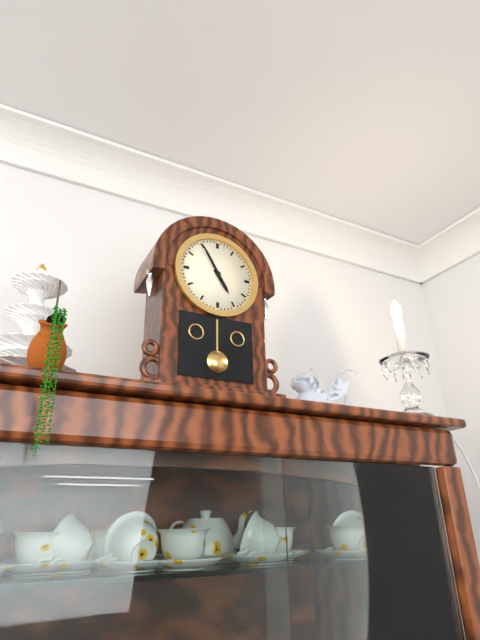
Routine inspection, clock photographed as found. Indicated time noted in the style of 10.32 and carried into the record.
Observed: 4.55
